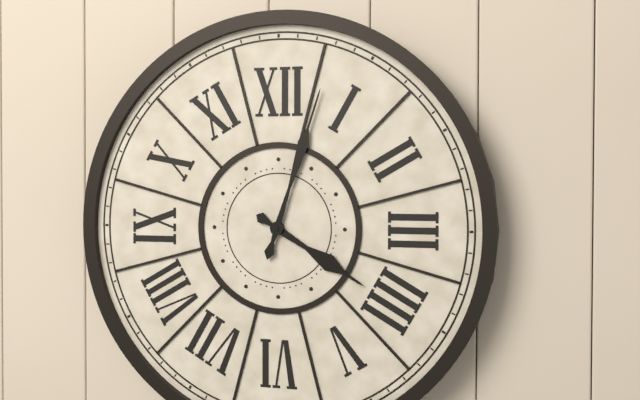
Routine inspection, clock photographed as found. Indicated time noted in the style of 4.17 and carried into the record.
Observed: 4.03
